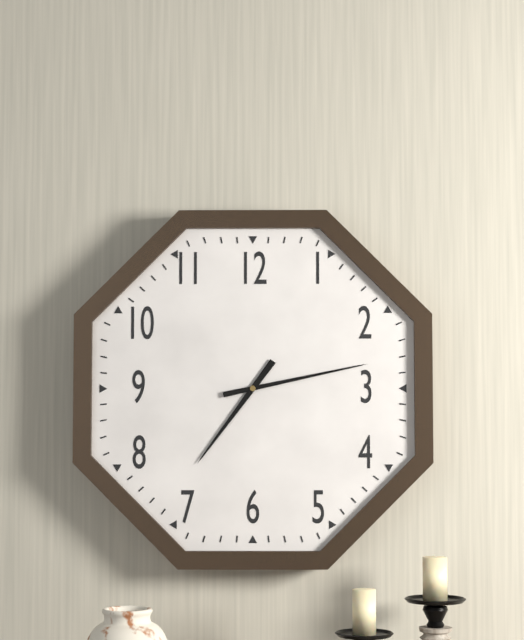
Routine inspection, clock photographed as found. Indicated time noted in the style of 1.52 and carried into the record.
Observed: 7.13
